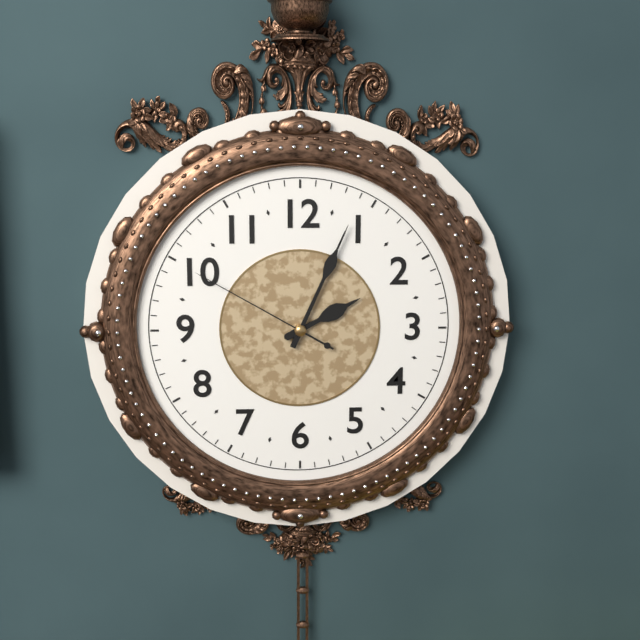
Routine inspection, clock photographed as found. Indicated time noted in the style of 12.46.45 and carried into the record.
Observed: 2.04.50
